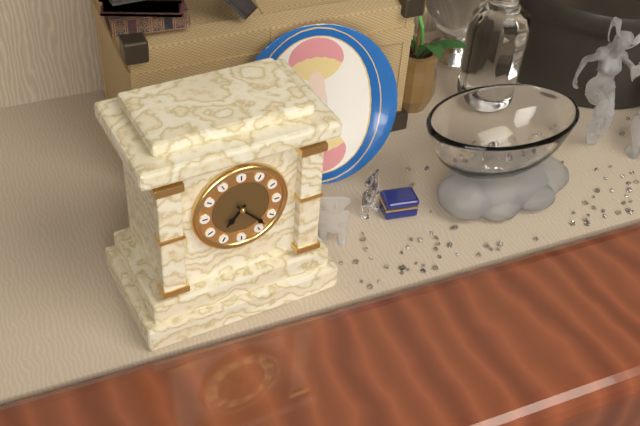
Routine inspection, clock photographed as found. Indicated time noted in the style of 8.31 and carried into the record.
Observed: 7.23
